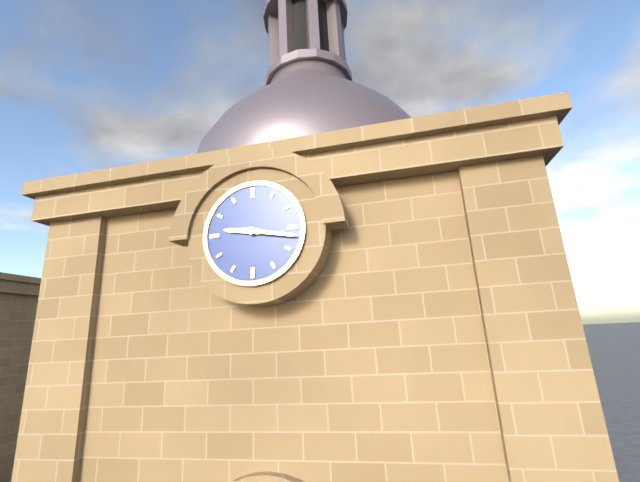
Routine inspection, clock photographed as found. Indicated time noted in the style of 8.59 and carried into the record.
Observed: 9.17
